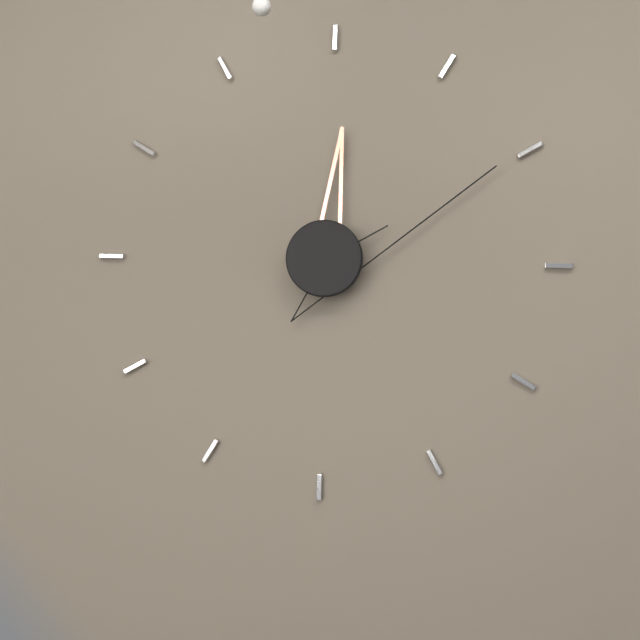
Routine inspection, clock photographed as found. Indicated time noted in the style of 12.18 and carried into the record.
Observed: 12.10
